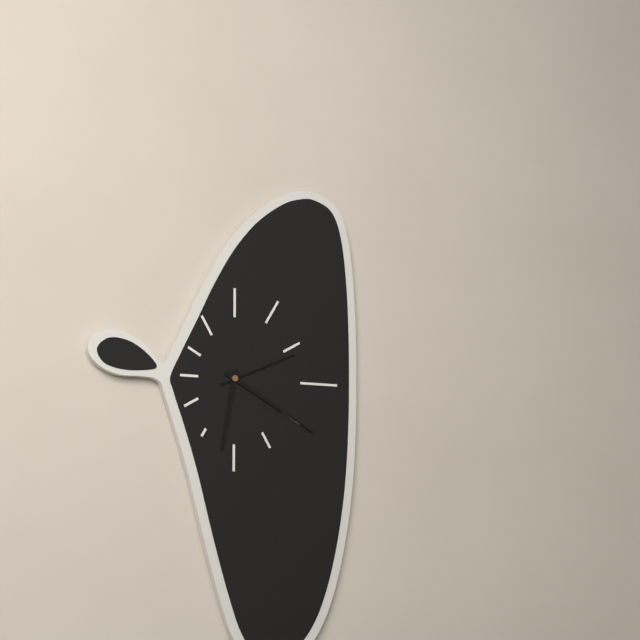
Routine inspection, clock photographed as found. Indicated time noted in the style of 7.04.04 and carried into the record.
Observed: 6.20.11
